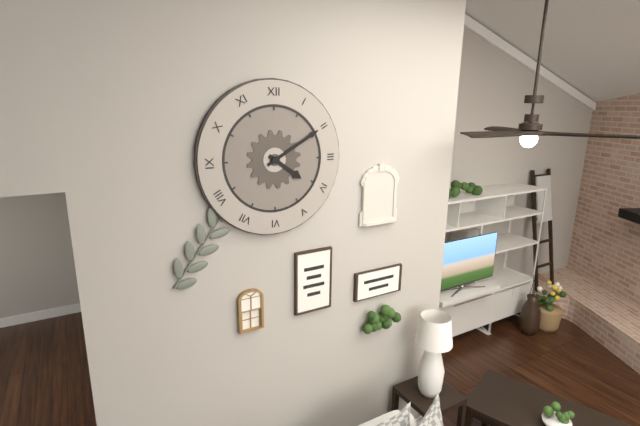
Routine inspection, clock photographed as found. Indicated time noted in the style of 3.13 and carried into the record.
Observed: 4.10
